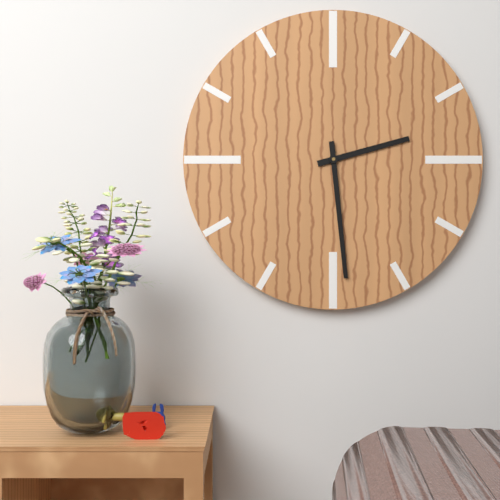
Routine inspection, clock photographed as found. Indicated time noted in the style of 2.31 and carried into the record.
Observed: 2.29
